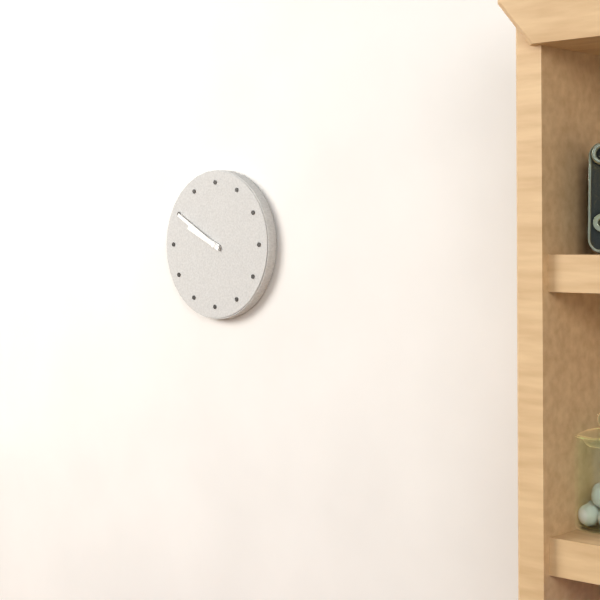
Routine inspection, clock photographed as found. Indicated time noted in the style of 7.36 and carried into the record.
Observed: 9.50
